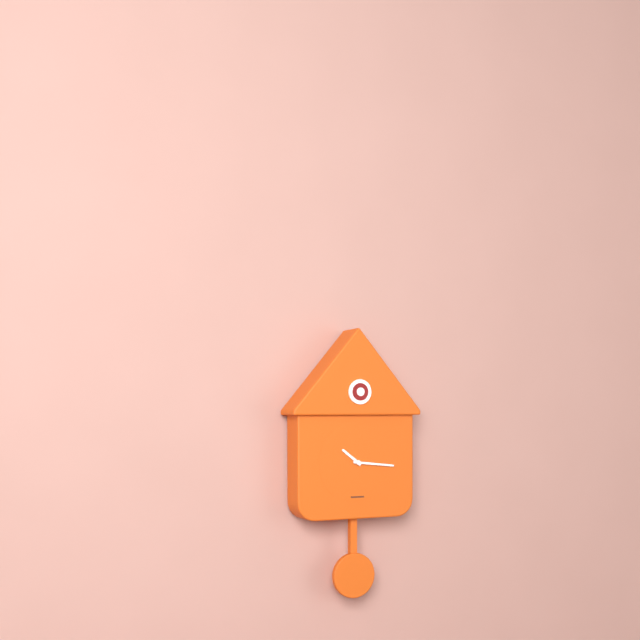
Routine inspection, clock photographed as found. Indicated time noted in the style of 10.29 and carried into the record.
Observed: 10.16
